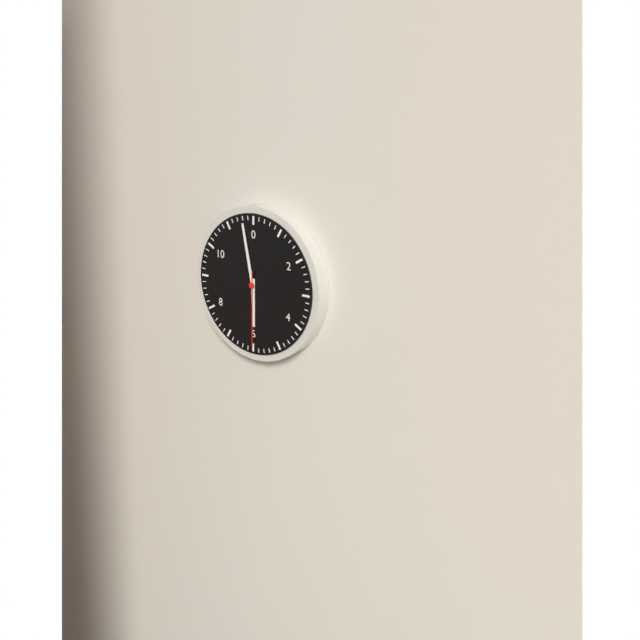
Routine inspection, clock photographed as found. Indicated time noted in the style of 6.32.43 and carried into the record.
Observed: 5.58.30
